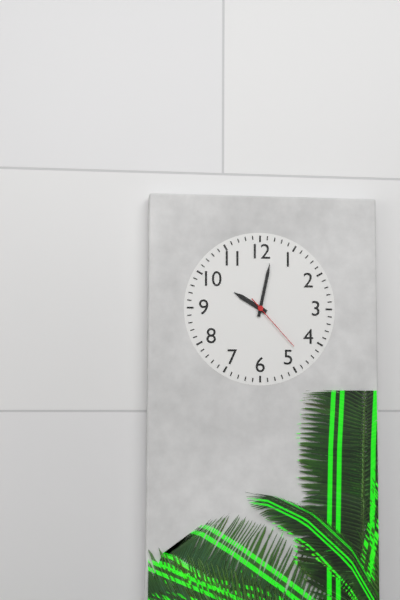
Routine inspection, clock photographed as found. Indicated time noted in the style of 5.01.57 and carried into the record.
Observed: 10.02.23
